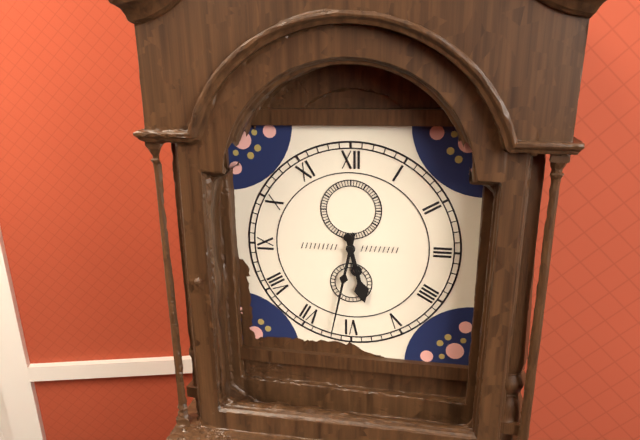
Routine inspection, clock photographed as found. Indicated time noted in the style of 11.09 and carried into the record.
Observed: 5.32
